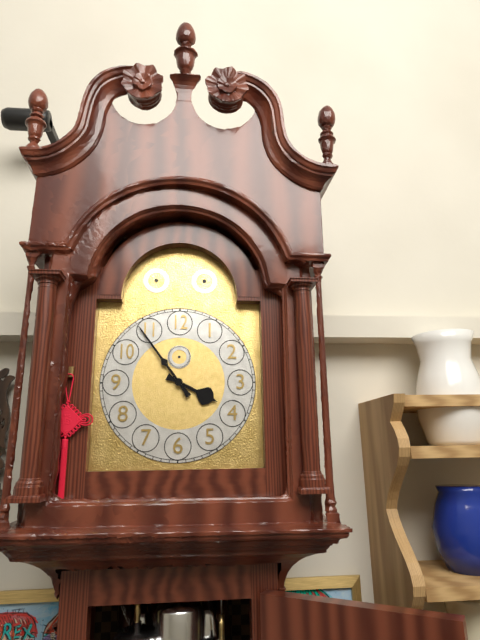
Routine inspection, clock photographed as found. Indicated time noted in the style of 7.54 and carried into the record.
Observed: 3.54
